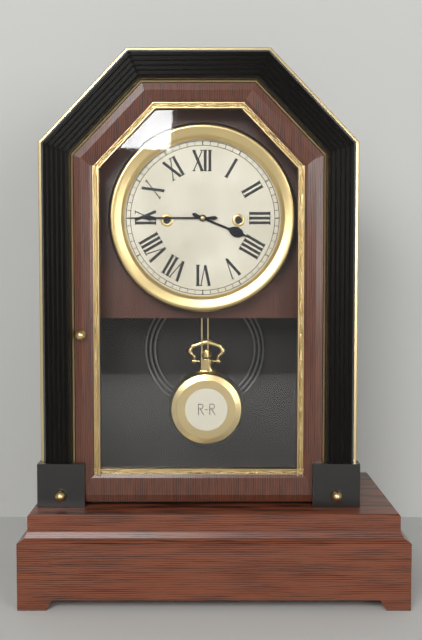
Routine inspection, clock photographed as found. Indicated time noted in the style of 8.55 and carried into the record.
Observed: 3.45
